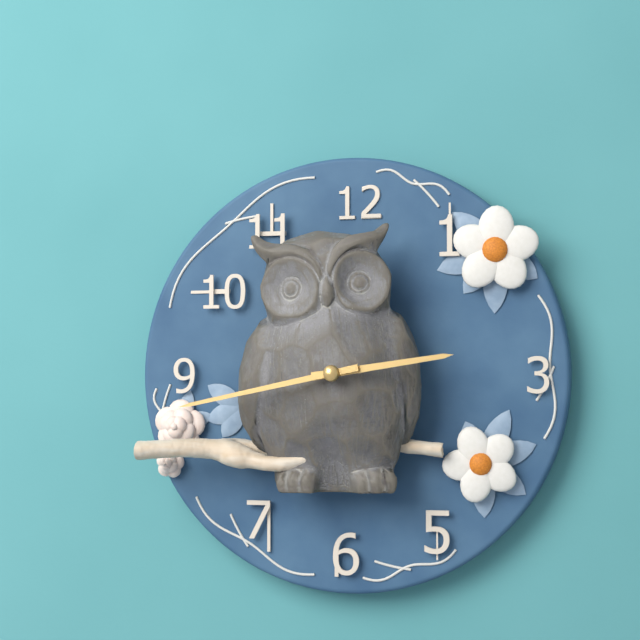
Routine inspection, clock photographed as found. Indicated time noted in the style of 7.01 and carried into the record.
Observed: 2.43
